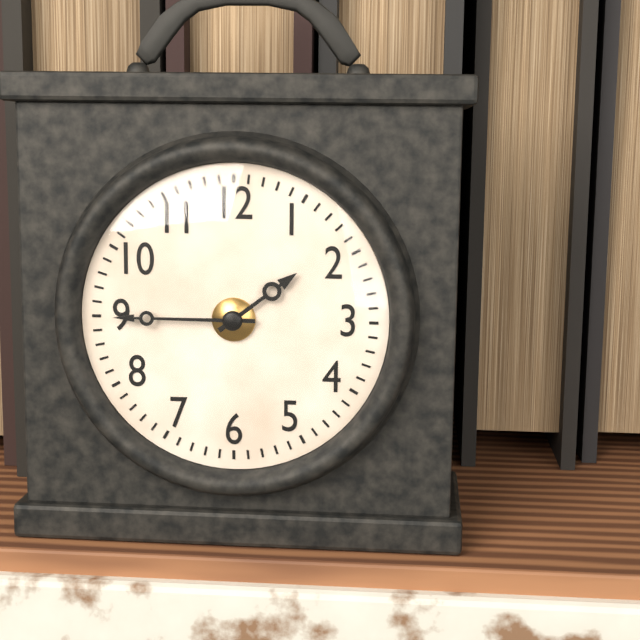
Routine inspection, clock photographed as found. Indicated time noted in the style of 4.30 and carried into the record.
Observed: 1.45
